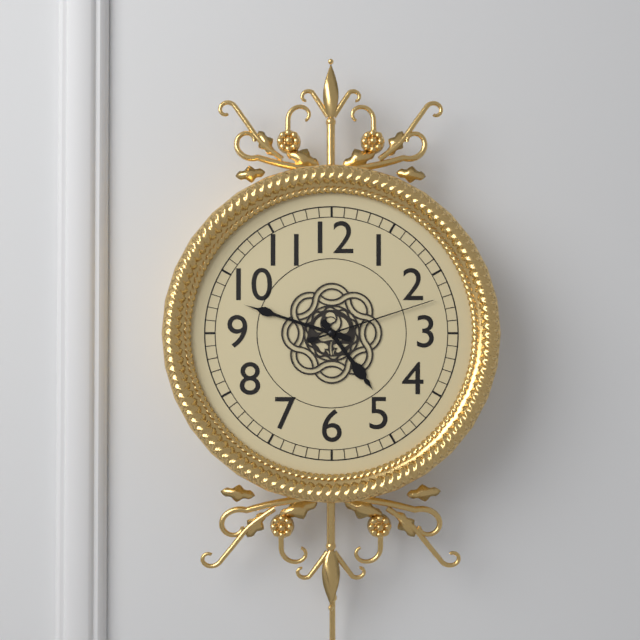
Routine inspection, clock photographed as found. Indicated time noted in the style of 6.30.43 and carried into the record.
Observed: 4.48.12
